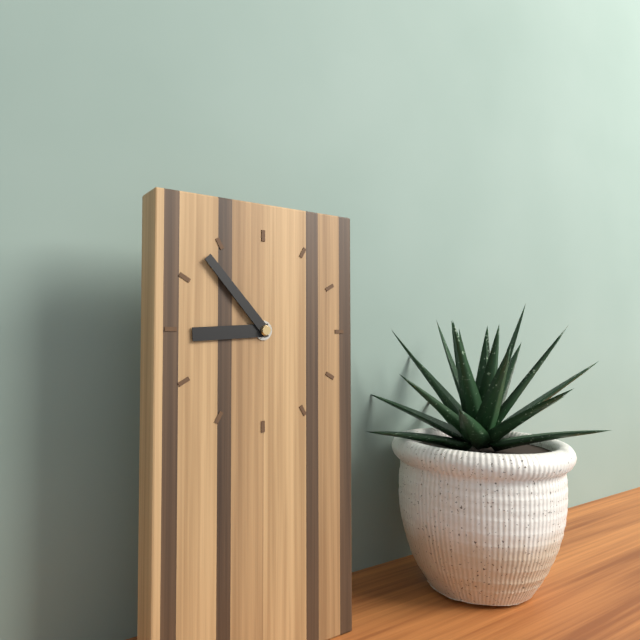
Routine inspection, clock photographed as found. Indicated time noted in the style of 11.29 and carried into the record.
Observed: 8.53
